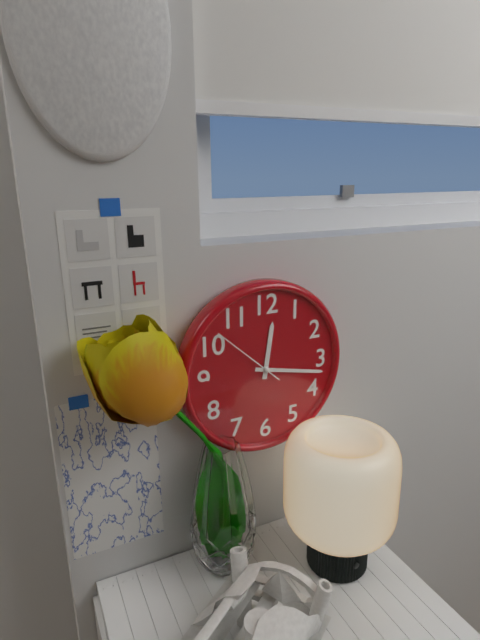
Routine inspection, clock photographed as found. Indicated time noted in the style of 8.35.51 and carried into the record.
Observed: 12.17.52
